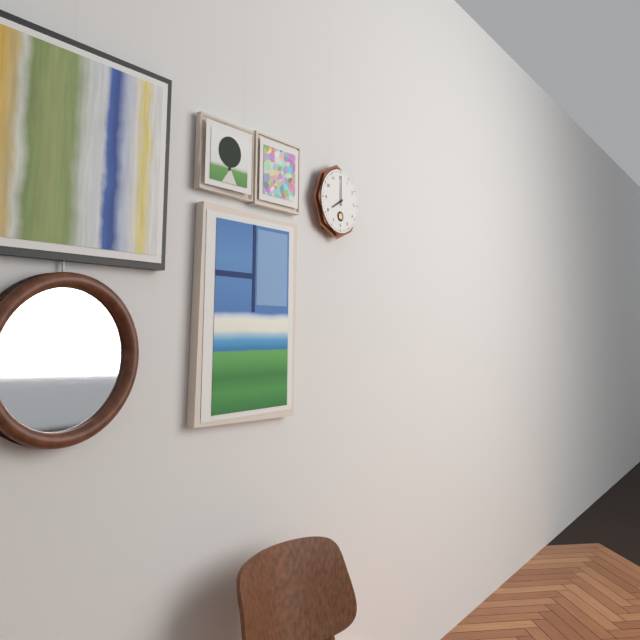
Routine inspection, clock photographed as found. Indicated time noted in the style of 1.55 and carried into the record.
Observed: 8.00
